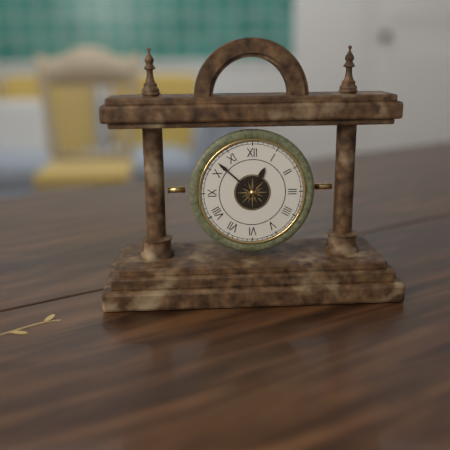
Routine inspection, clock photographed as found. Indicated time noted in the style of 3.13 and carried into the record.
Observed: 12.52
